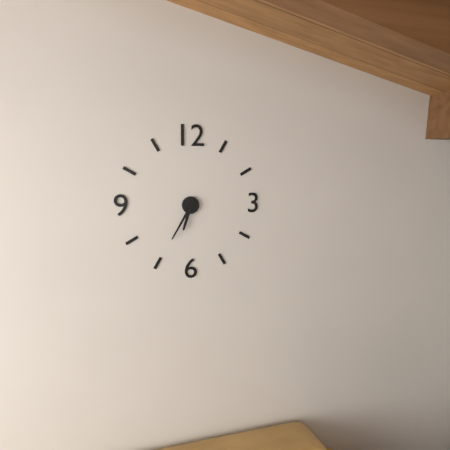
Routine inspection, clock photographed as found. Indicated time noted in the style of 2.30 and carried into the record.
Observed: 6.35
